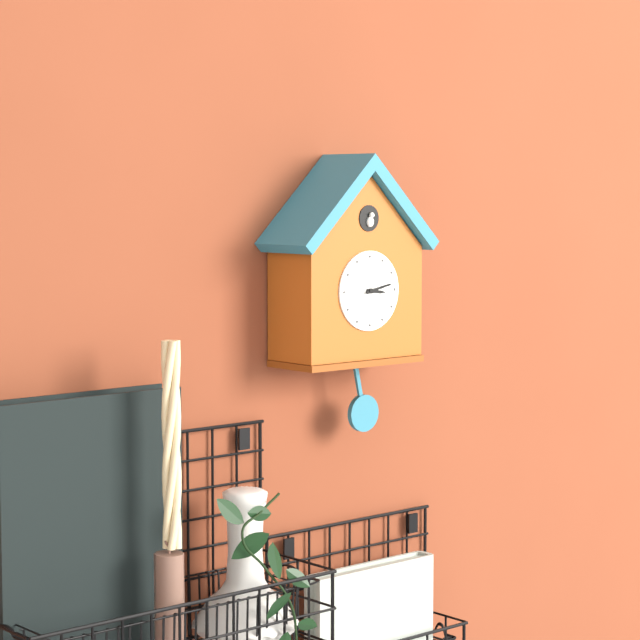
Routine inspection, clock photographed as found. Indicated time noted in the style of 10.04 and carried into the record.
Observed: 3.13
